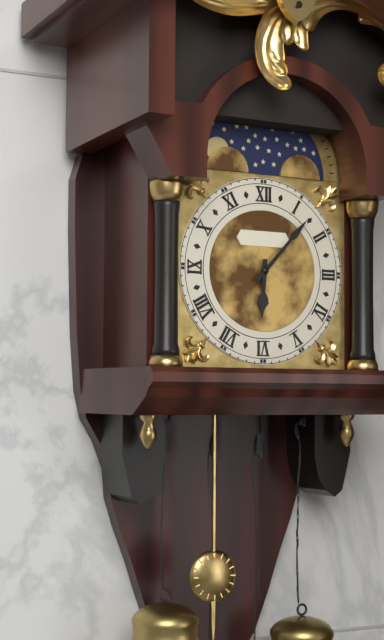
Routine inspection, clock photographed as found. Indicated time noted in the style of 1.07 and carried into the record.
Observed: 6.07
